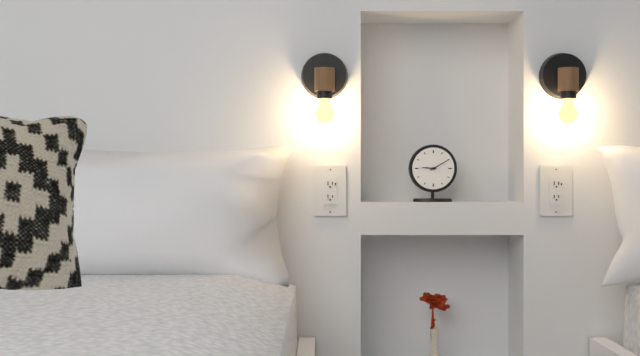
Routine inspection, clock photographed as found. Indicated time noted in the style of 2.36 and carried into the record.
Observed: 9.10
